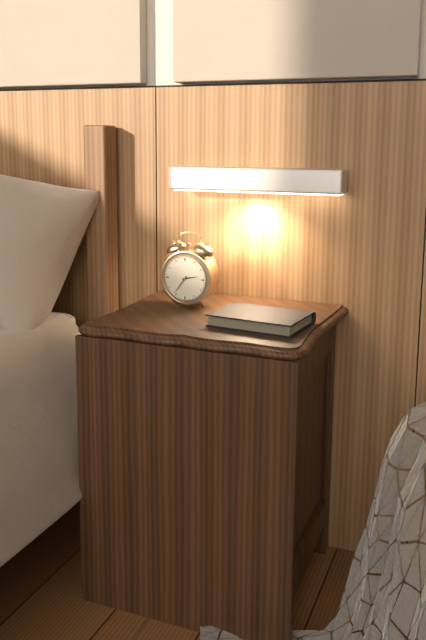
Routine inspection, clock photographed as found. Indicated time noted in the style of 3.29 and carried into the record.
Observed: 2.36
